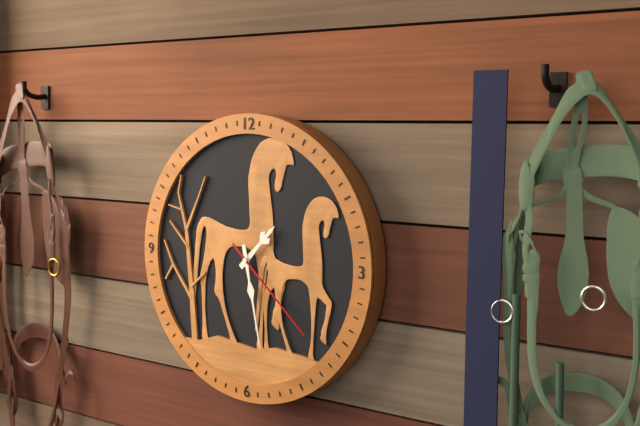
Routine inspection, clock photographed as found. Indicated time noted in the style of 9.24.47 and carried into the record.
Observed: 1.28.22
